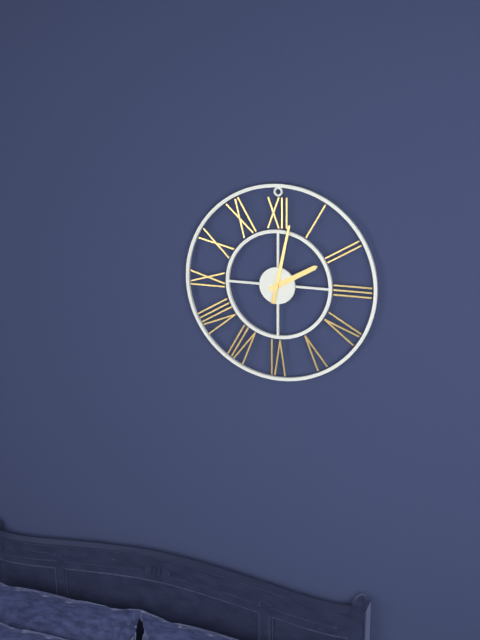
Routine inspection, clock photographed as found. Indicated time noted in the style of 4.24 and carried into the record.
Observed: 2.02
